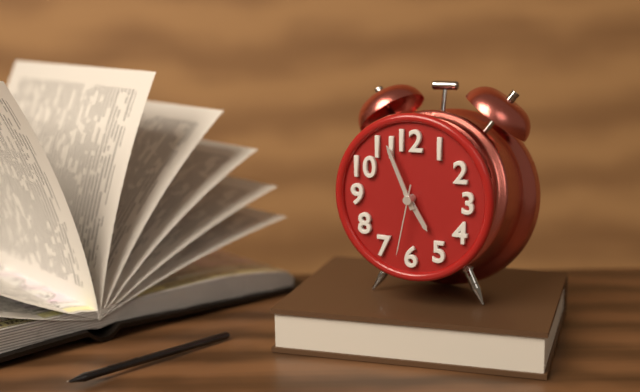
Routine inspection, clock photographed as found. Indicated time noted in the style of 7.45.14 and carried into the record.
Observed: 4.56.32
